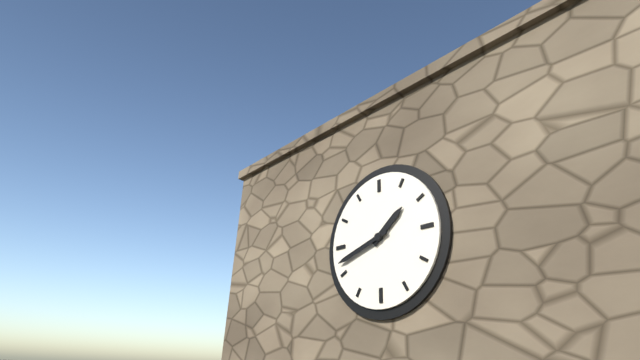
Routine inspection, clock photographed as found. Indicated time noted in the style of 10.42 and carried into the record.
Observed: 1.42
